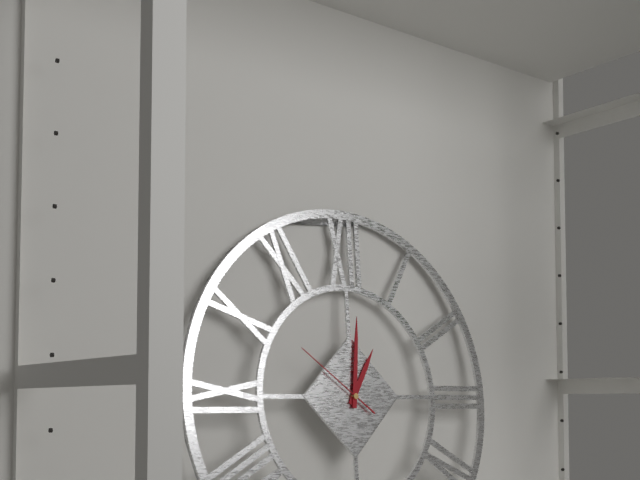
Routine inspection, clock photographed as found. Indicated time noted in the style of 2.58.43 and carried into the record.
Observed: 1.01.51
